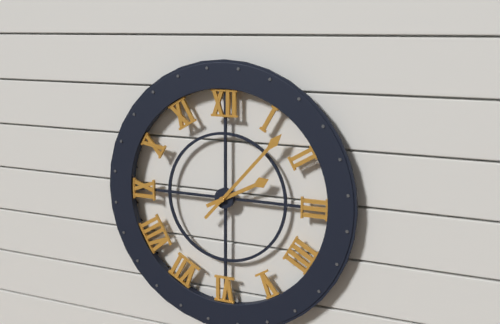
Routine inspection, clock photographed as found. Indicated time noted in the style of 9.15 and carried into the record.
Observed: 2.07
